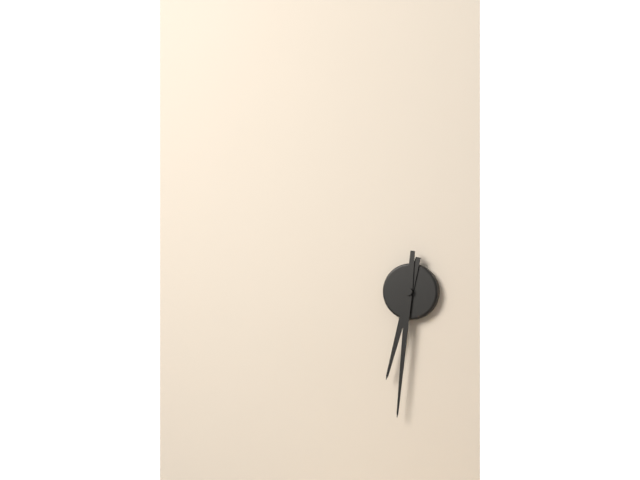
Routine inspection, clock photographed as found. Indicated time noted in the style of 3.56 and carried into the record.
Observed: 6.31
